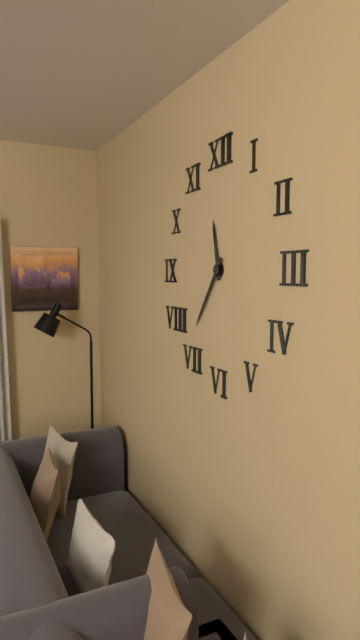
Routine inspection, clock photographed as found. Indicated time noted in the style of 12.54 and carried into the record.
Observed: 11.36
